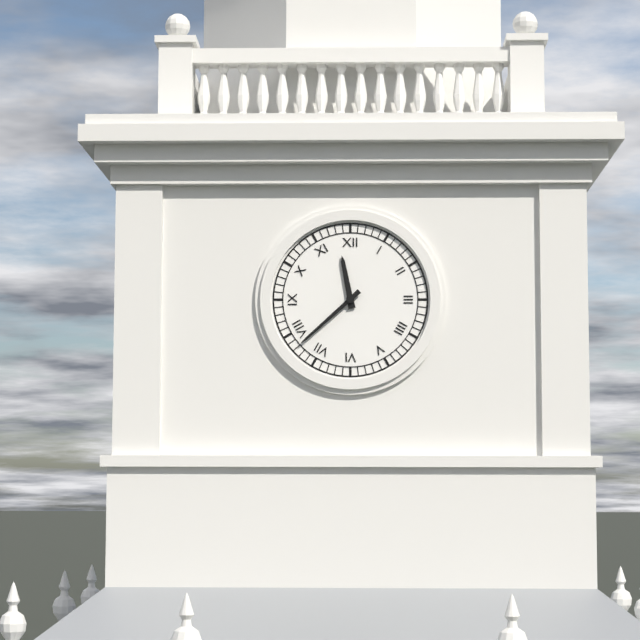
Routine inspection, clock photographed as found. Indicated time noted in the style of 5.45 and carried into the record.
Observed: 11.38
